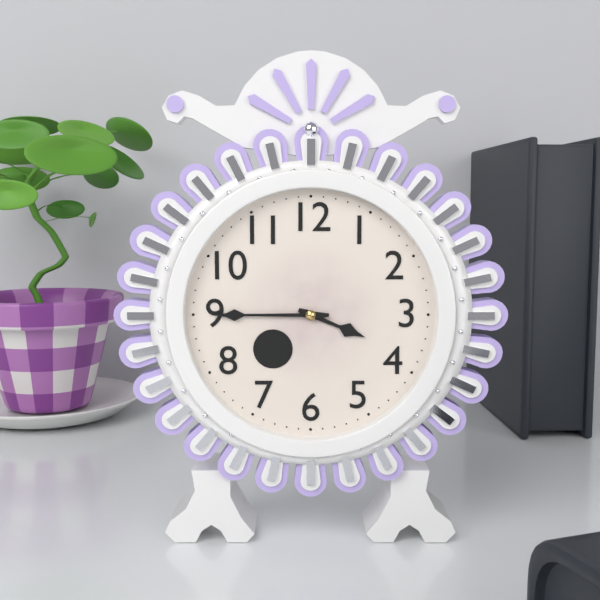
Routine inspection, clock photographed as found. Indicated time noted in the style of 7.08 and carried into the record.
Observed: 3.45
